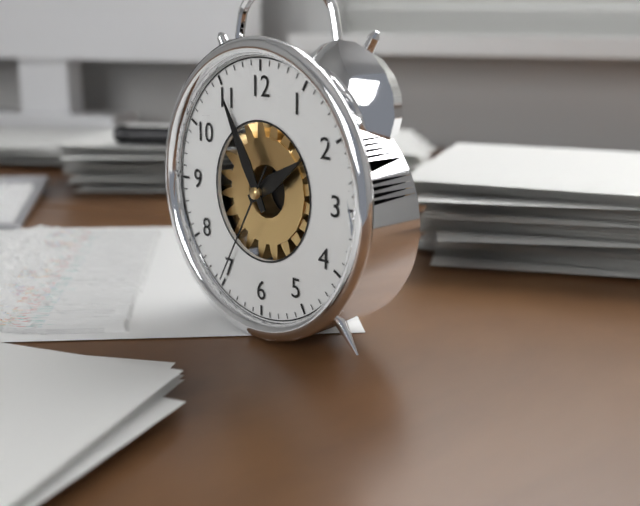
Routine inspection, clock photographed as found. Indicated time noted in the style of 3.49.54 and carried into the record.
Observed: 1.55.35
